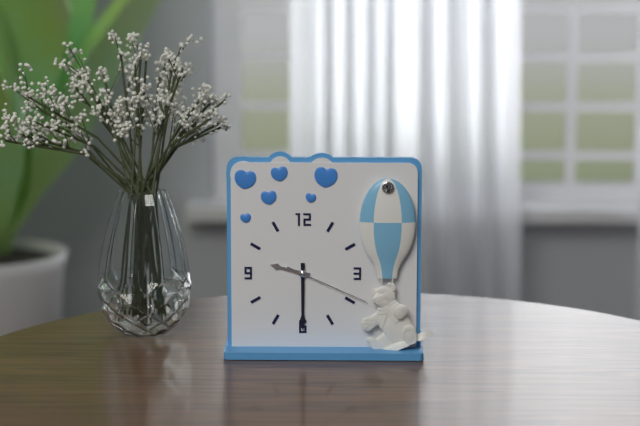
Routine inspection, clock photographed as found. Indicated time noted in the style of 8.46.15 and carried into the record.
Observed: 9.30.19
